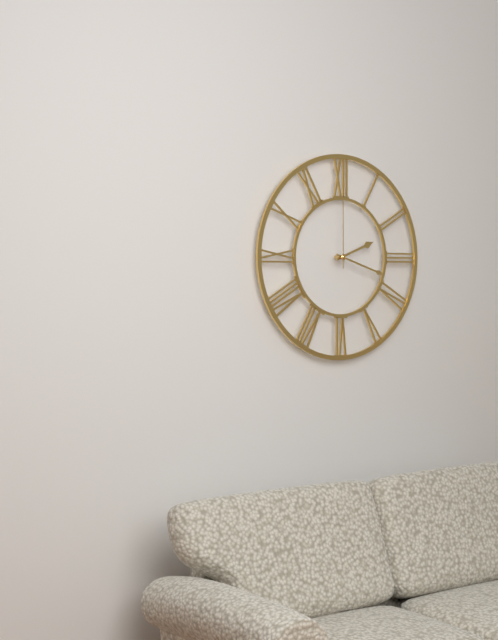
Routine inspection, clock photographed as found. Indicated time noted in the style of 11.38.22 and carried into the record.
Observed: 2.18.00
